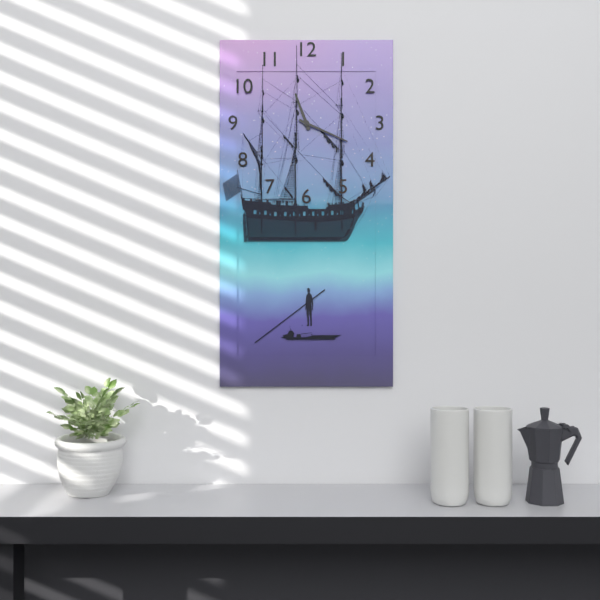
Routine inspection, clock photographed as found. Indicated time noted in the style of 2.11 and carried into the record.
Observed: 11.19
